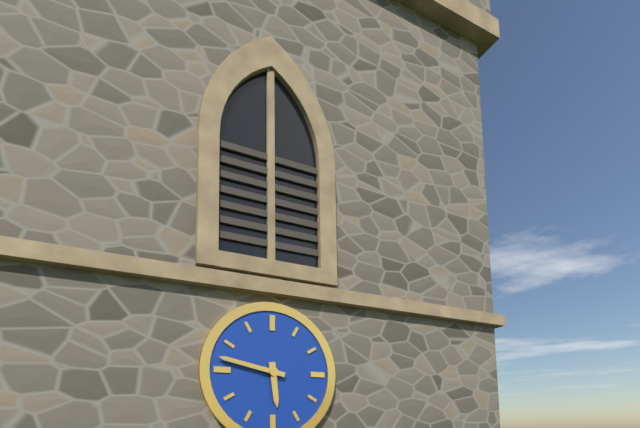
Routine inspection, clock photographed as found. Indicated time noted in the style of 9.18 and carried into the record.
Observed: 5.47
